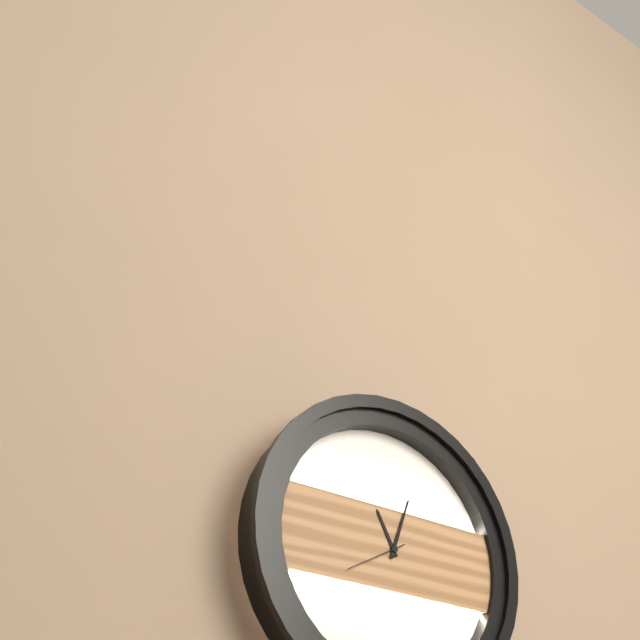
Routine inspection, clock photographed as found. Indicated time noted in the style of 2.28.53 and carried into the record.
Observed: 11.03.40
